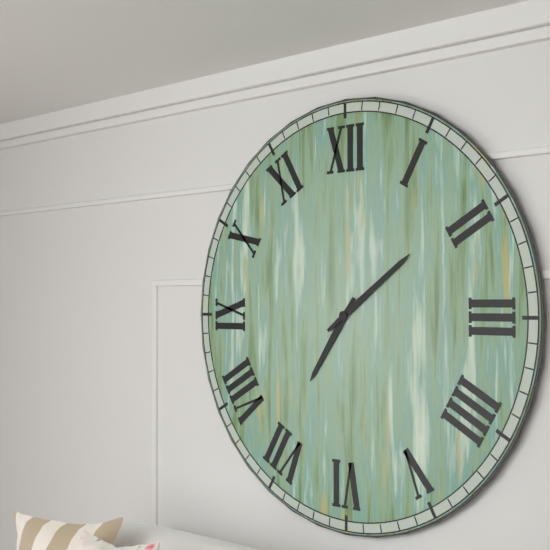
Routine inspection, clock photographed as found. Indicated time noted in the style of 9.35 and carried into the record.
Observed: 7.09
